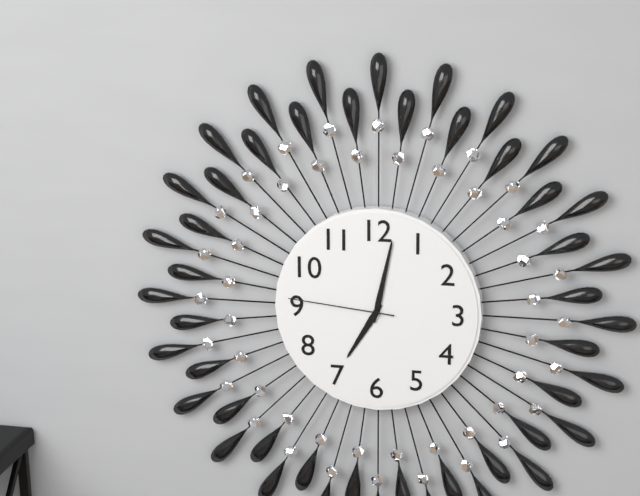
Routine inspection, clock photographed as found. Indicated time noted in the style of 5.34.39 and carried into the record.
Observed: 7.02.46
